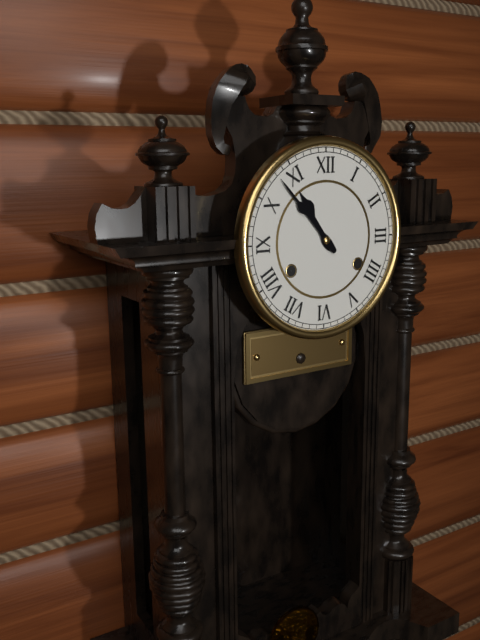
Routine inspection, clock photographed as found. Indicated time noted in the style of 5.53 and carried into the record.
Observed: 10.53
